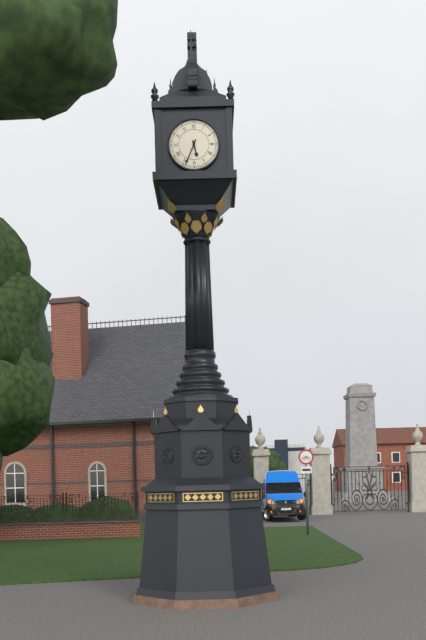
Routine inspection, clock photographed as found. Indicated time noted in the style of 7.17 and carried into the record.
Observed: 5.34
